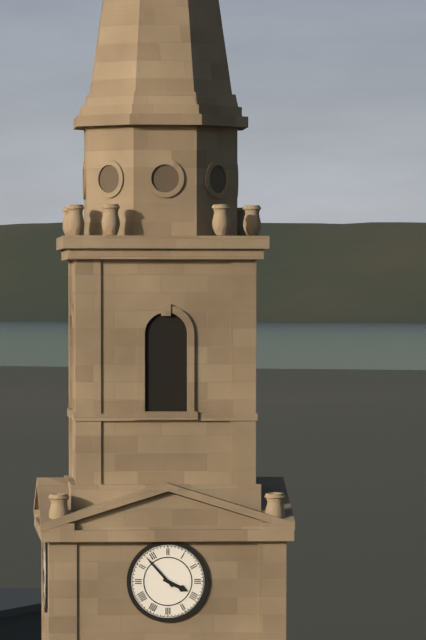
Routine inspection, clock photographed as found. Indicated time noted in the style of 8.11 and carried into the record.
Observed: 3.53
